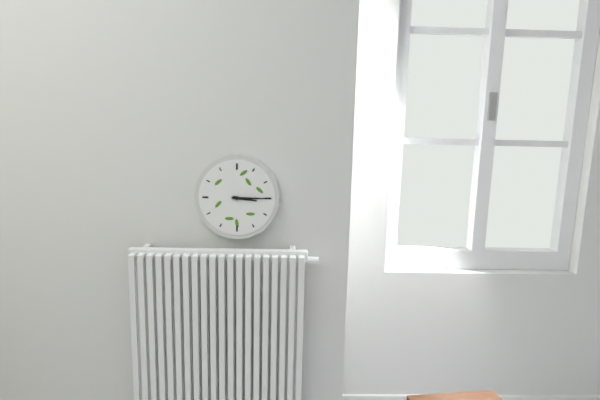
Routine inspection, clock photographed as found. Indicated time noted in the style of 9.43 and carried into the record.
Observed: 3.15
